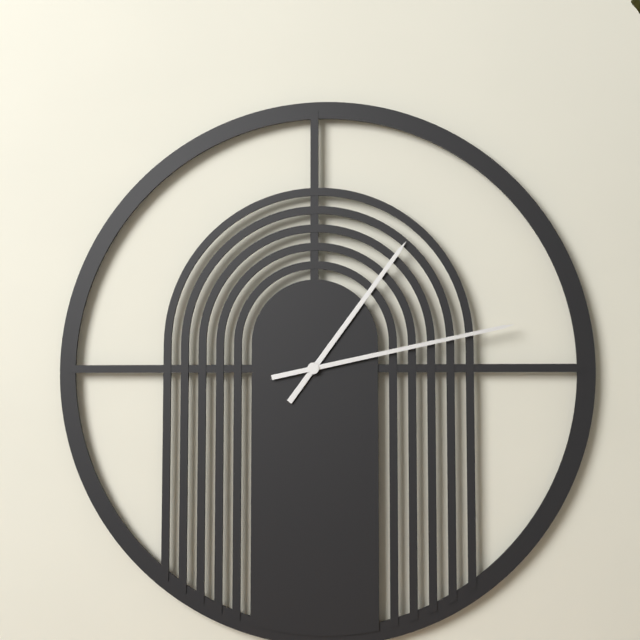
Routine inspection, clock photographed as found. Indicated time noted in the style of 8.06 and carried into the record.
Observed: 1.13
